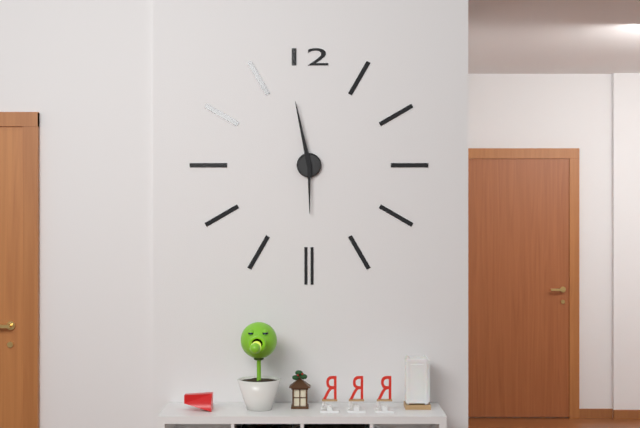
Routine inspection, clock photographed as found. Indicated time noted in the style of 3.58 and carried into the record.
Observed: 5.58
